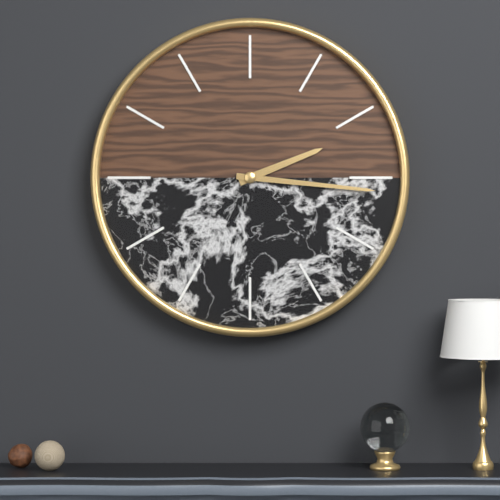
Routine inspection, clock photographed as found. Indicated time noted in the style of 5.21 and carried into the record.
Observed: 2.16
